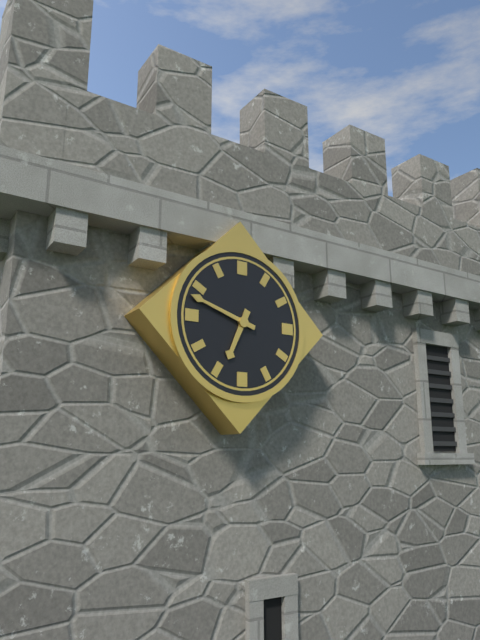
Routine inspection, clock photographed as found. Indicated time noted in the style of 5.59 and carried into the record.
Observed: 6.48
